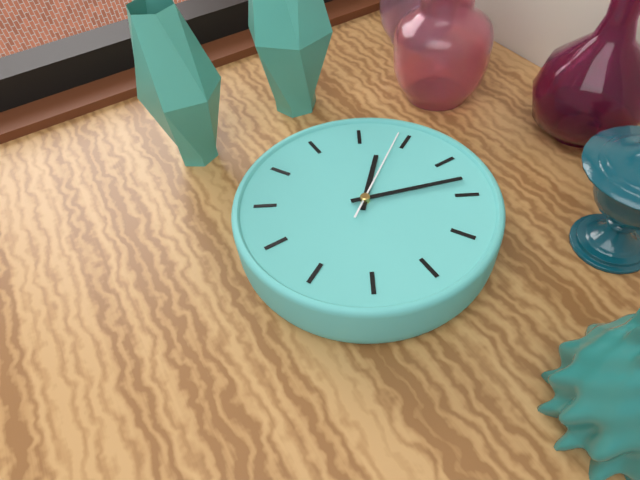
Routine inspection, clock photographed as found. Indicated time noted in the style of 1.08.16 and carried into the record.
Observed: 3.28.19
